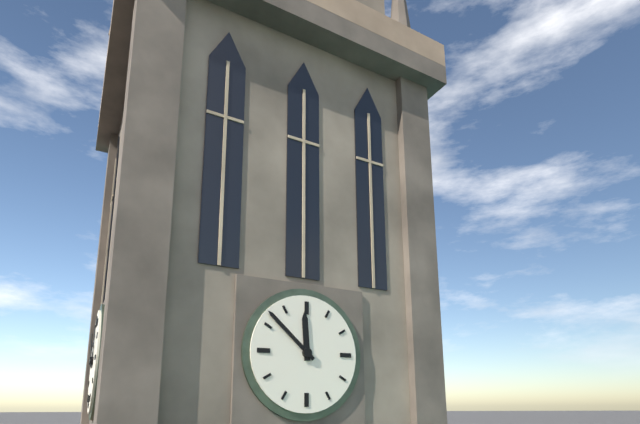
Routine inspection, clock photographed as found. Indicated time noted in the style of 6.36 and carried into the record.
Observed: 11.52
